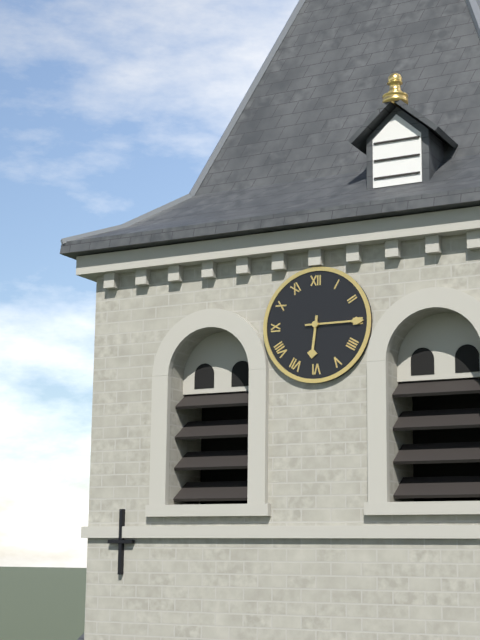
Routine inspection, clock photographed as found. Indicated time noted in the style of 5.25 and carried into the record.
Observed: 6.15
